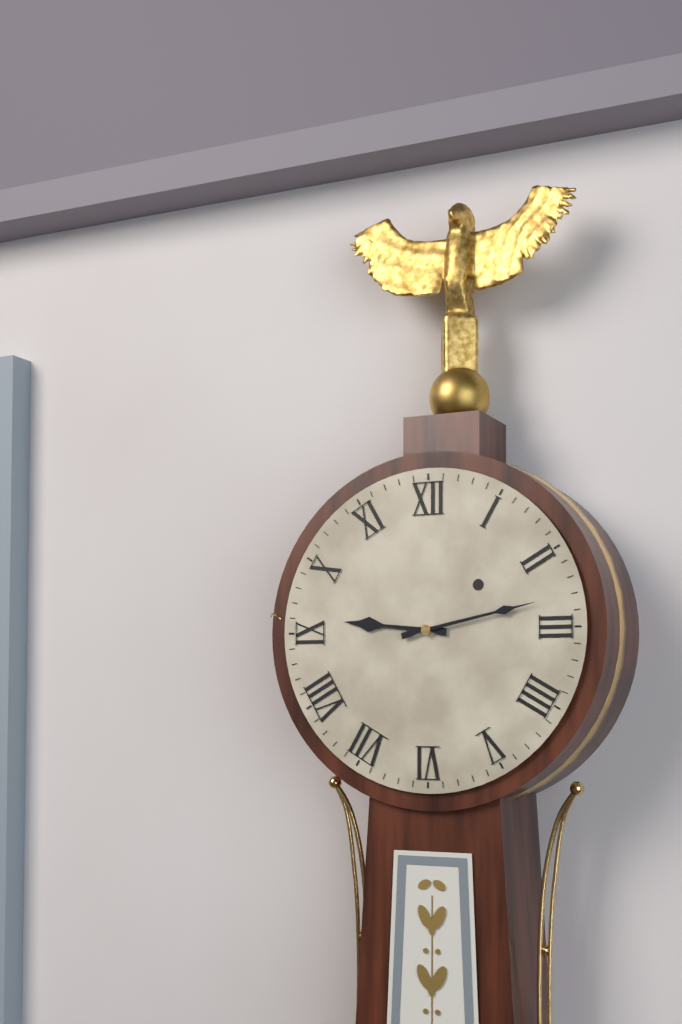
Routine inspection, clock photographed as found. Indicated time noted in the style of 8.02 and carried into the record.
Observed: 9.13
